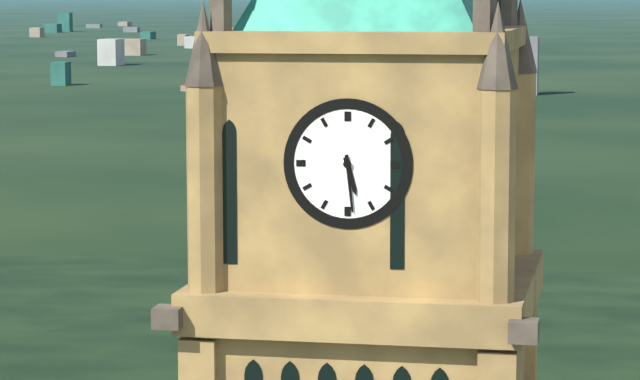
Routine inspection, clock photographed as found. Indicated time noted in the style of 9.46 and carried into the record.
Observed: 5.29
